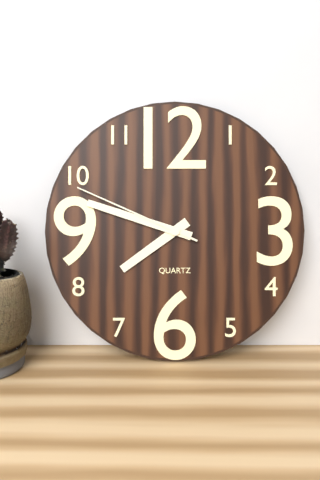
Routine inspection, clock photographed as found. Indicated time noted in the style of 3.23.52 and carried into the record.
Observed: 7.48.49
